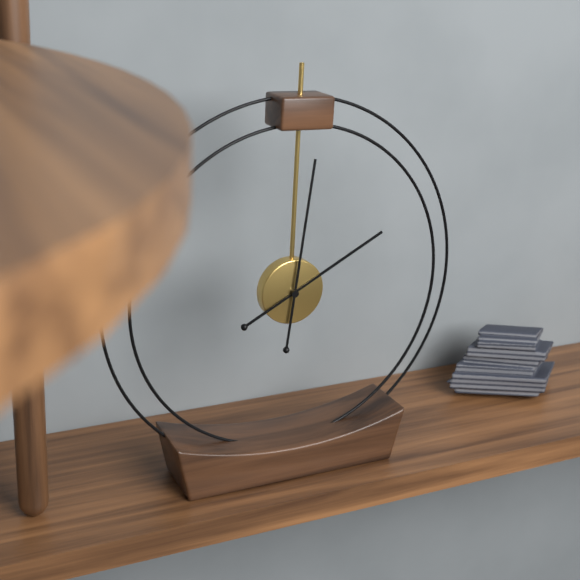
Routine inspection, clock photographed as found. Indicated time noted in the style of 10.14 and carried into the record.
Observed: 2.01
